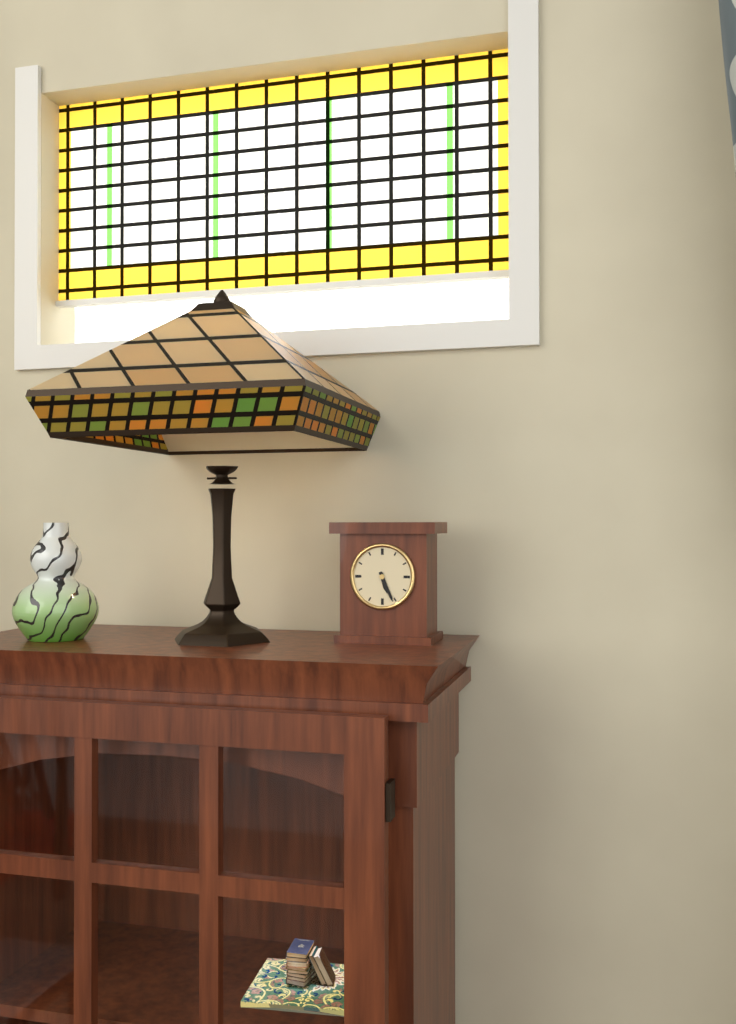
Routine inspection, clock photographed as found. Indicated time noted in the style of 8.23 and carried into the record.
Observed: 5.26
